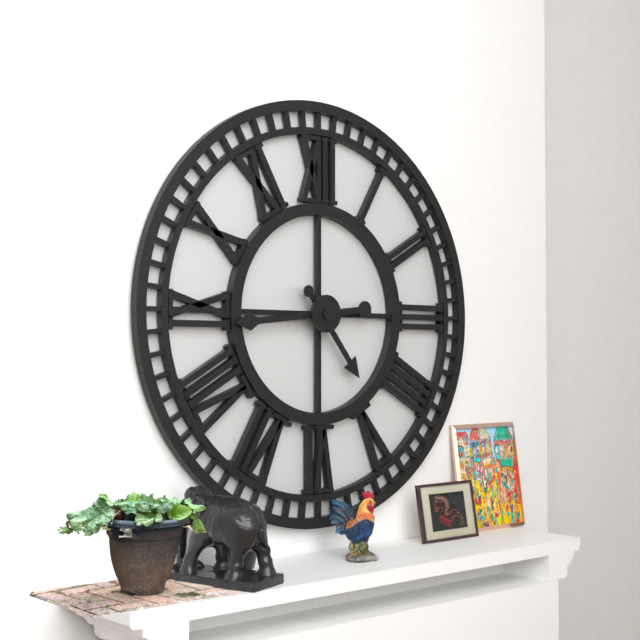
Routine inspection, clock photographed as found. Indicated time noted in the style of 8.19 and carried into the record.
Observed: 4.44
